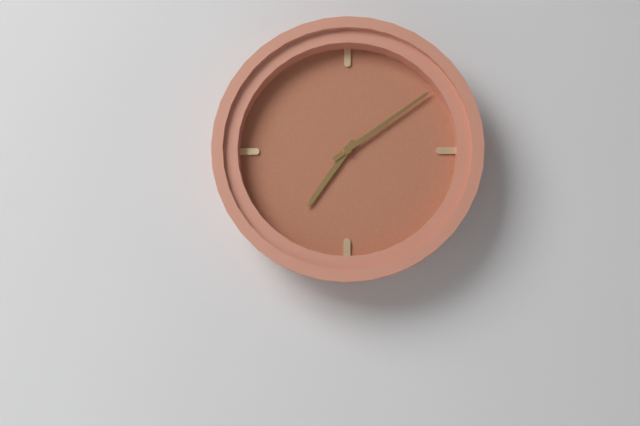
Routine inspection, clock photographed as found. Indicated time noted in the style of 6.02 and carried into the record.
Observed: 7.09
